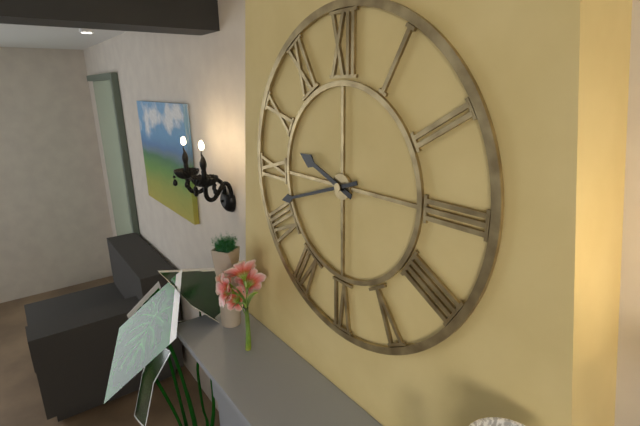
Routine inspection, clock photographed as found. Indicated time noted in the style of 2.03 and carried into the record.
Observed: 9.42
